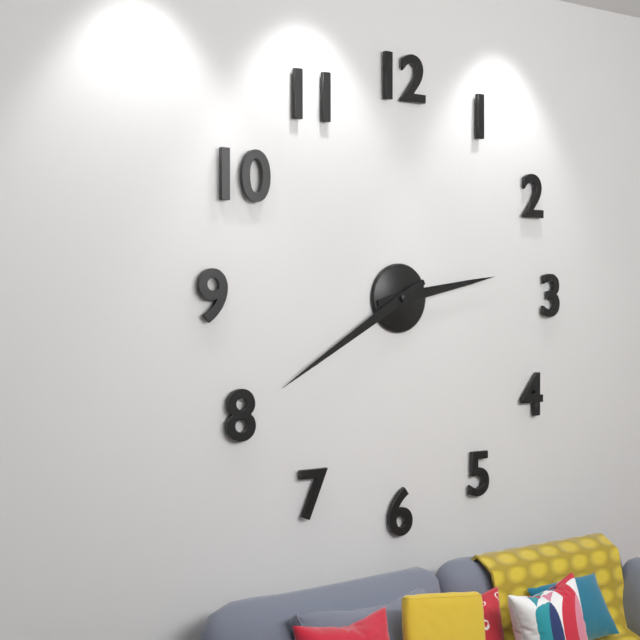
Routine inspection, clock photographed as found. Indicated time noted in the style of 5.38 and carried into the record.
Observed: 2.40
